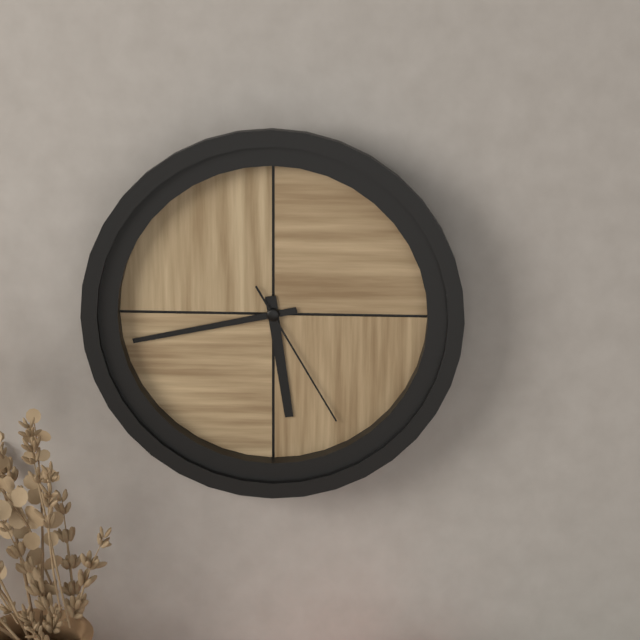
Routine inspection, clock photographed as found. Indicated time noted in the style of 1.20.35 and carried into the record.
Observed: 5.43.25
